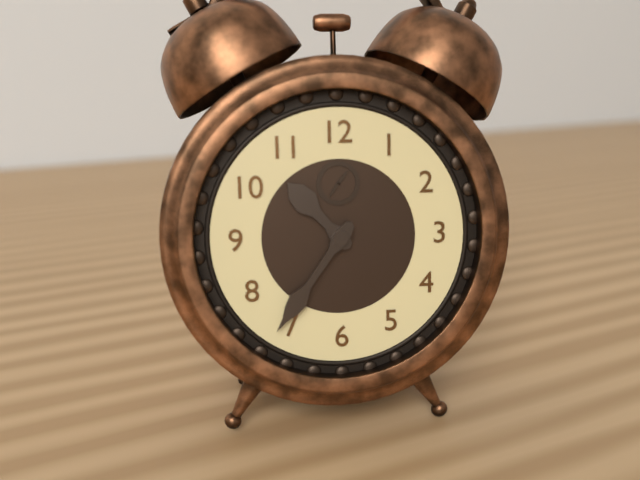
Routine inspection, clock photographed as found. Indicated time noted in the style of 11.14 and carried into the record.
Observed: 10.36
